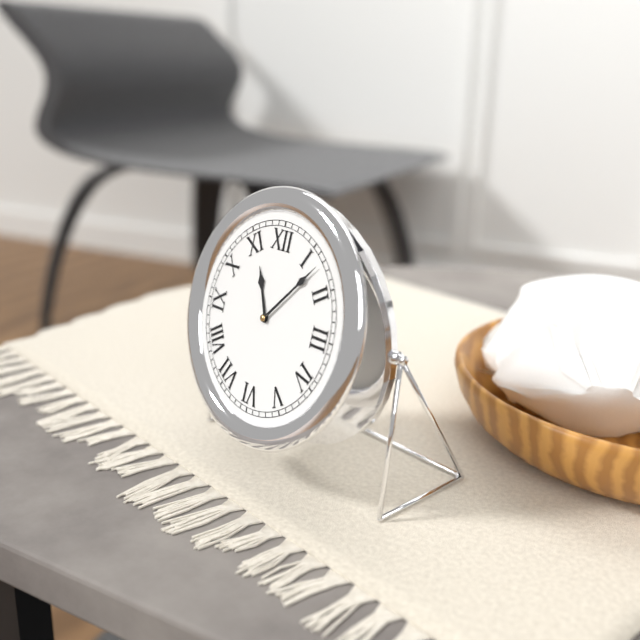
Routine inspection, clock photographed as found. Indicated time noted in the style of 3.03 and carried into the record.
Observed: 11.07
